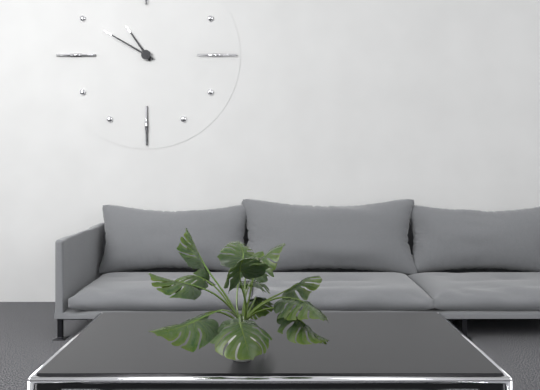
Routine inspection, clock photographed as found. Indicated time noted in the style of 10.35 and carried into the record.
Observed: 10.50
